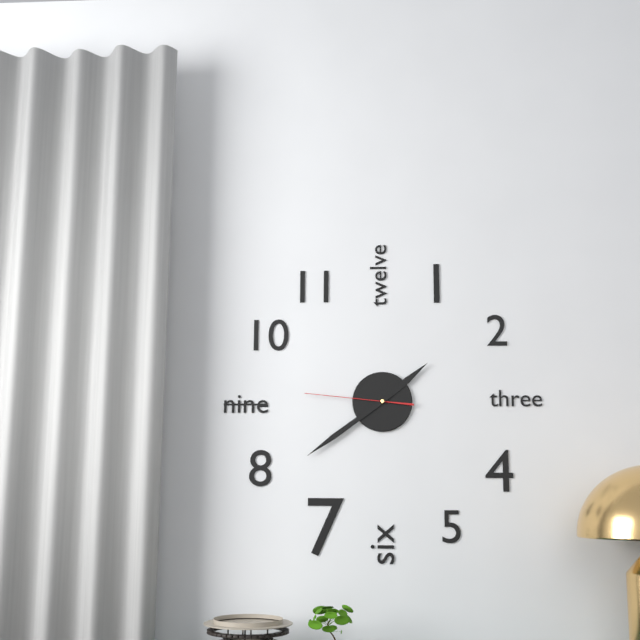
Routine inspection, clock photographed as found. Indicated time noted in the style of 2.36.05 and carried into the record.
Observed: 1.39.46
